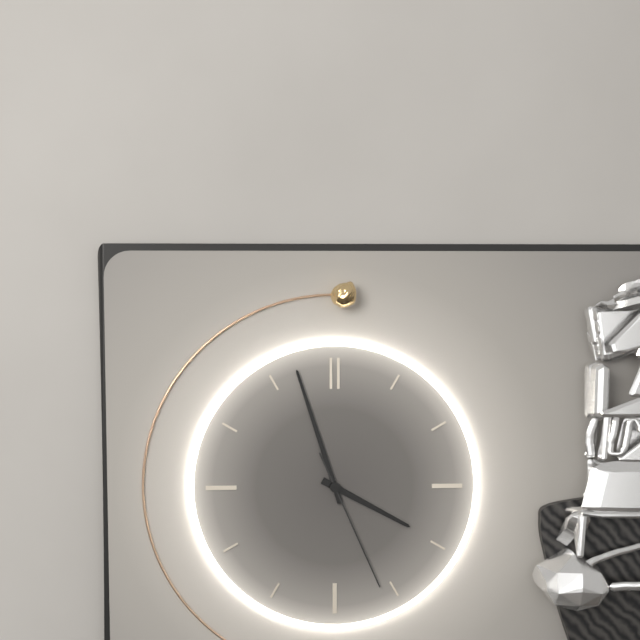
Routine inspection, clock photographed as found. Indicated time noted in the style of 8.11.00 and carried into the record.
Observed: 3.57.26
